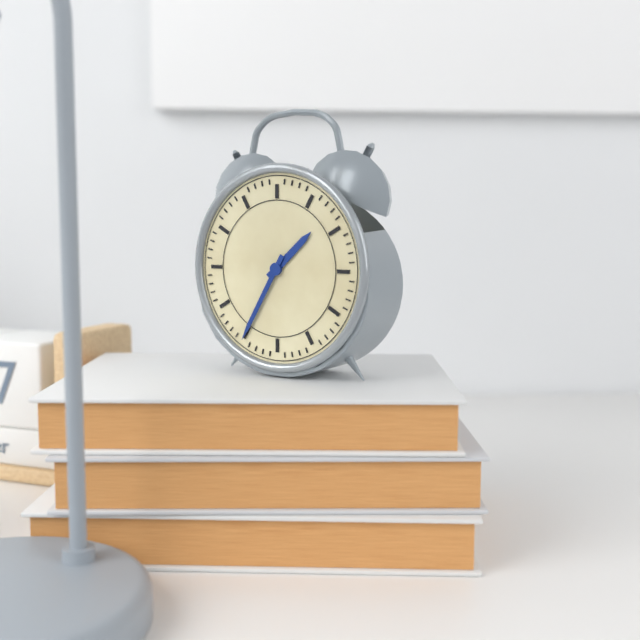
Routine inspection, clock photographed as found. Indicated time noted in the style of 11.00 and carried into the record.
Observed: 1.35
